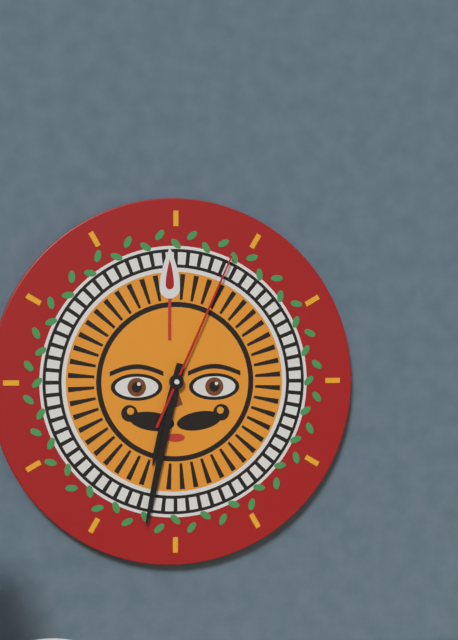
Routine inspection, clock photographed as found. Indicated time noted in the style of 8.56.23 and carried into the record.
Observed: 6.32.04
